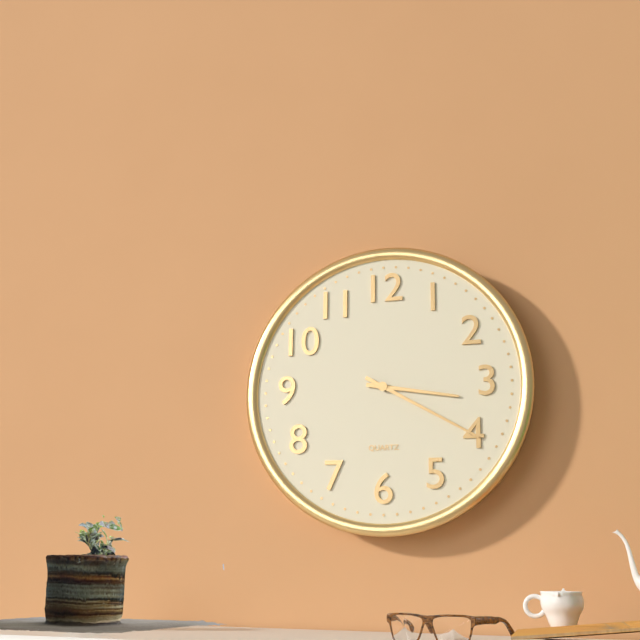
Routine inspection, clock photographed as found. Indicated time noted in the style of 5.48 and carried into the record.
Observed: 3.20
